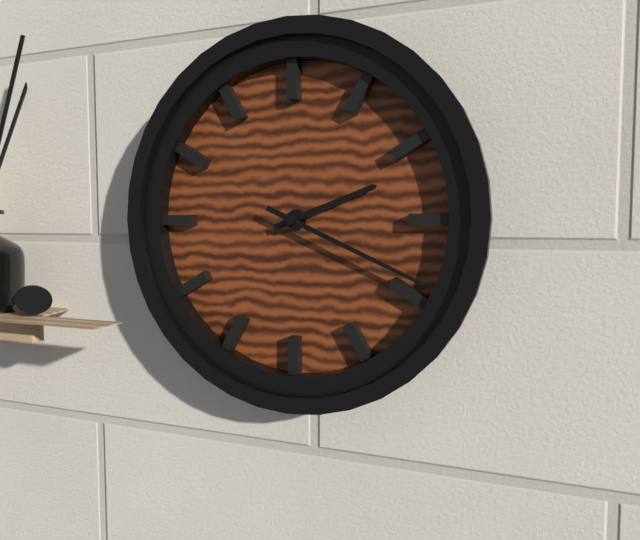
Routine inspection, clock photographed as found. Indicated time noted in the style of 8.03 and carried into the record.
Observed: 2.19
